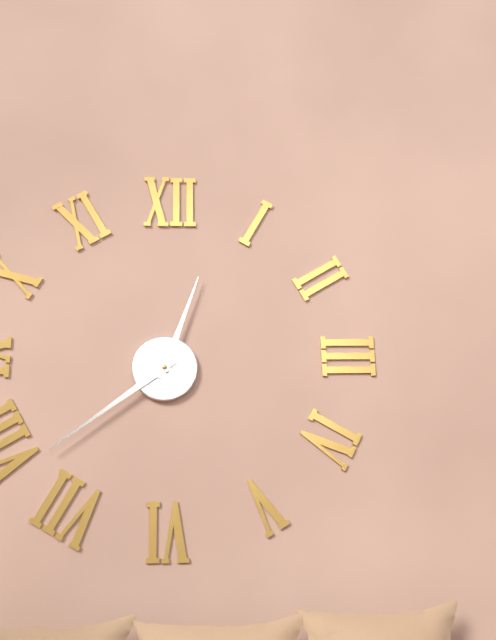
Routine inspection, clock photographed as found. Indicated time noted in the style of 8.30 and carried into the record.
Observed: 12.39
